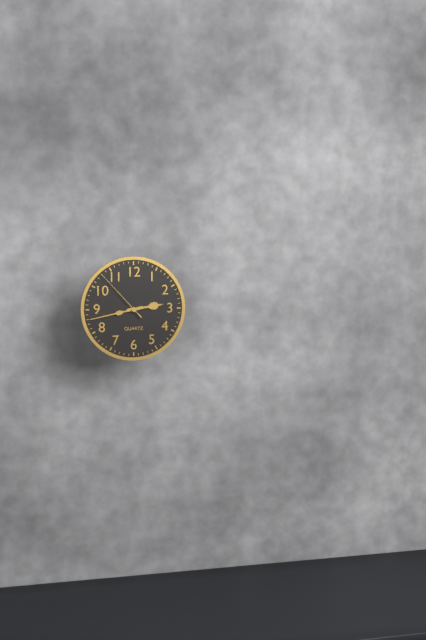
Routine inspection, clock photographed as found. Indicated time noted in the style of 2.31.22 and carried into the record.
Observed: 2.43.53
